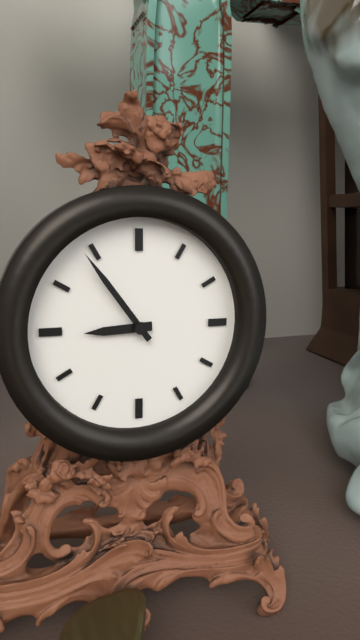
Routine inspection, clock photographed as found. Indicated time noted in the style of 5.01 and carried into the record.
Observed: 8.54
